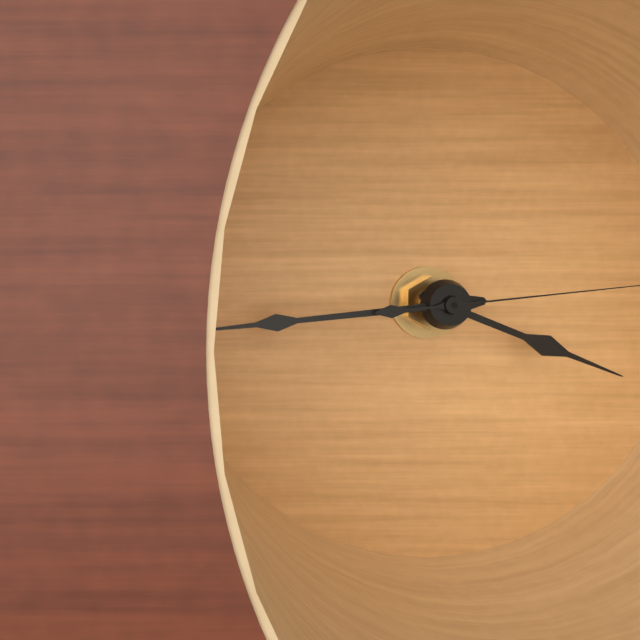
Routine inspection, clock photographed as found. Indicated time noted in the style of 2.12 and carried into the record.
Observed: 3.44
